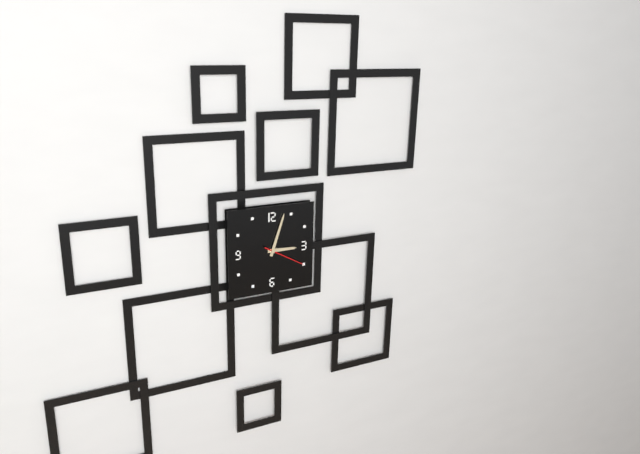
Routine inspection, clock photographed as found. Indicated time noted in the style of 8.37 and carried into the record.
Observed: 3.03
